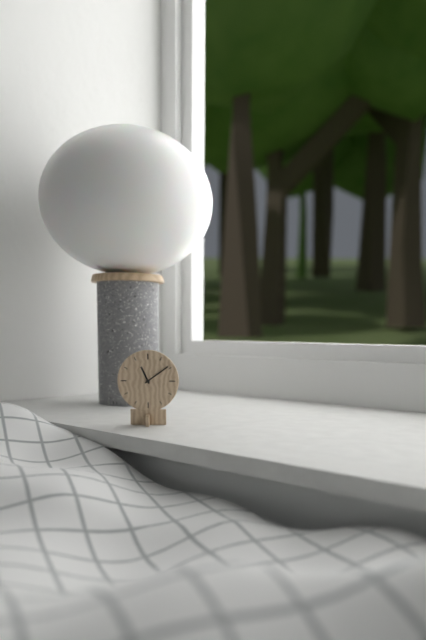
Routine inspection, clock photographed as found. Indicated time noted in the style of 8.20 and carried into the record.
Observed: 11.09
